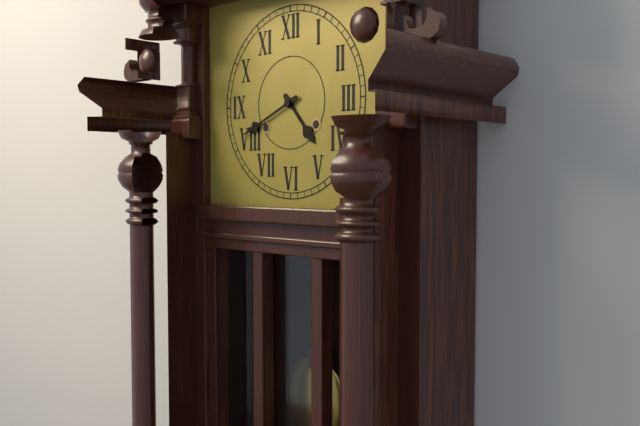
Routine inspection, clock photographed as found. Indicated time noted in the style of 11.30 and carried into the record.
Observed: 4.41
